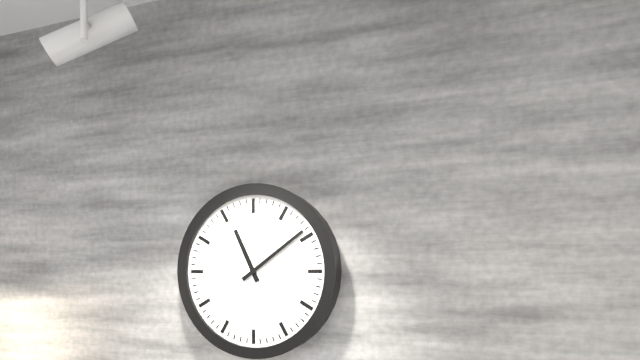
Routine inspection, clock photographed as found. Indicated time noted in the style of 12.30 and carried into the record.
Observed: 11.09
